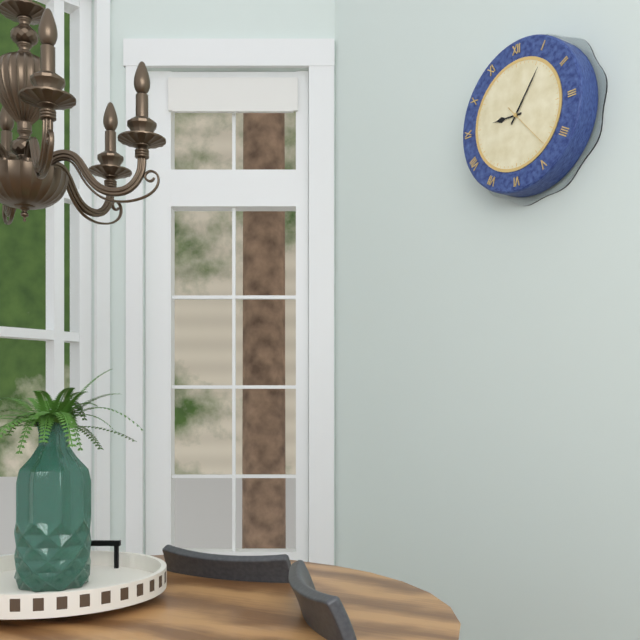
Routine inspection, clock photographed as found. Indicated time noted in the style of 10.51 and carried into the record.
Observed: 9.06
